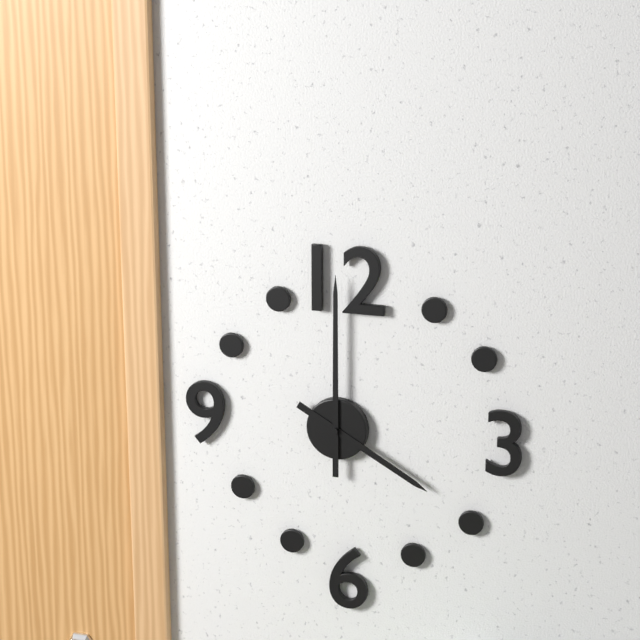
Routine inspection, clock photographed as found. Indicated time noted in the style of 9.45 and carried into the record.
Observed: 4.00
